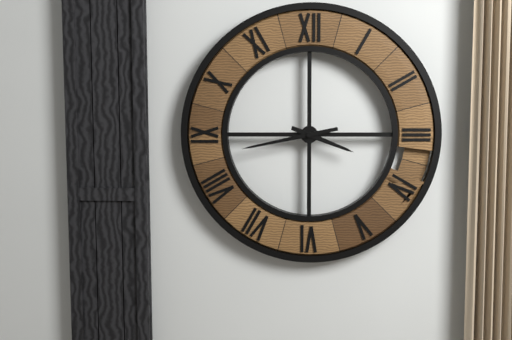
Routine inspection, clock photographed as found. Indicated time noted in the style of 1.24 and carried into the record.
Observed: 3.43
